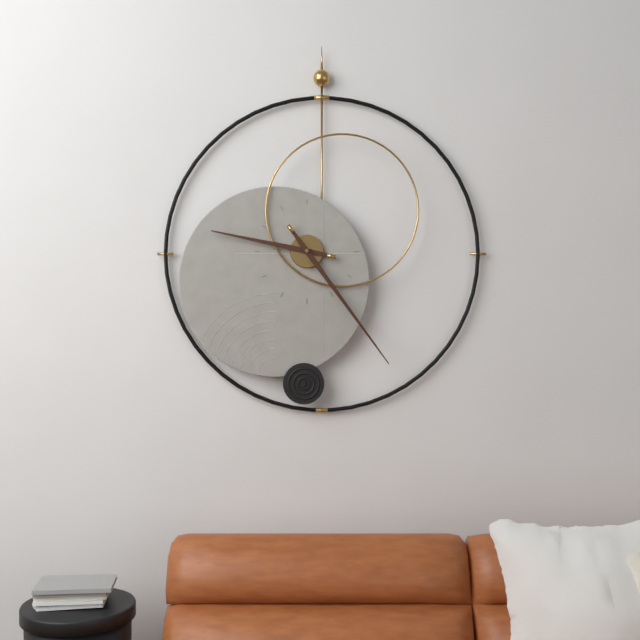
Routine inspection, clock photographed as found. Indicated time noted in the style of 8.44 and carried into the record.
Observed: 9.24
